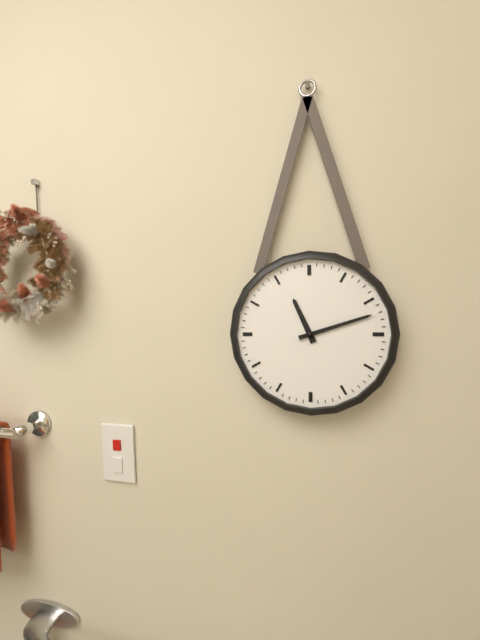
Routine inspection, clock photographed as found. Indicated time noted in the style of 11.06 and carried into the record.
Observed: 11.12
